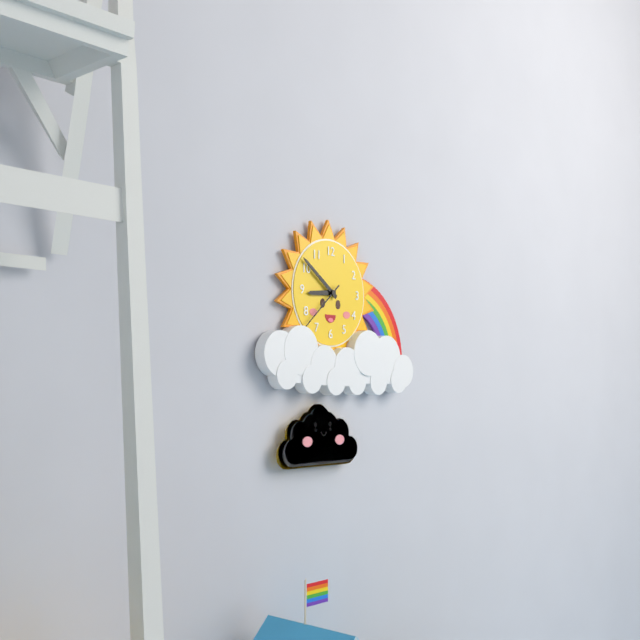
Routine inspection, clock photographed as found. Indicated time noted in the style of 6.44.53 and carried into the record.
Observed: 8.51.38
